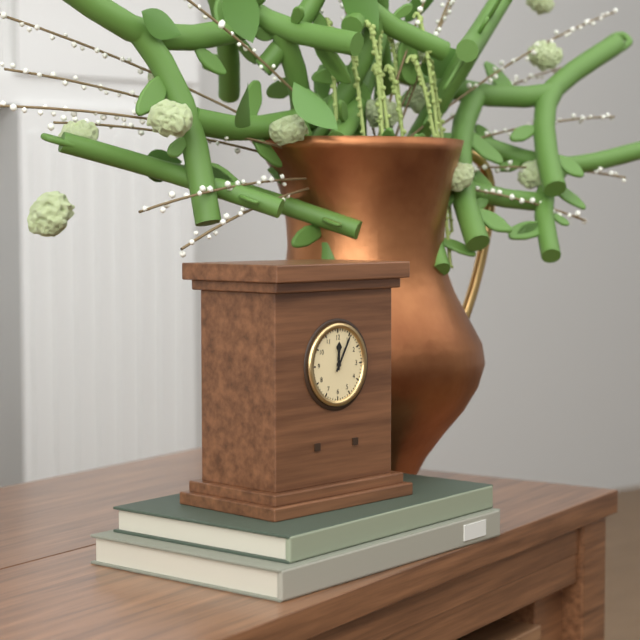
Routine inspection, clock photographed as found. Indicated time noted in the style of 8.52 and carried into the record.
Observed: 12.05
